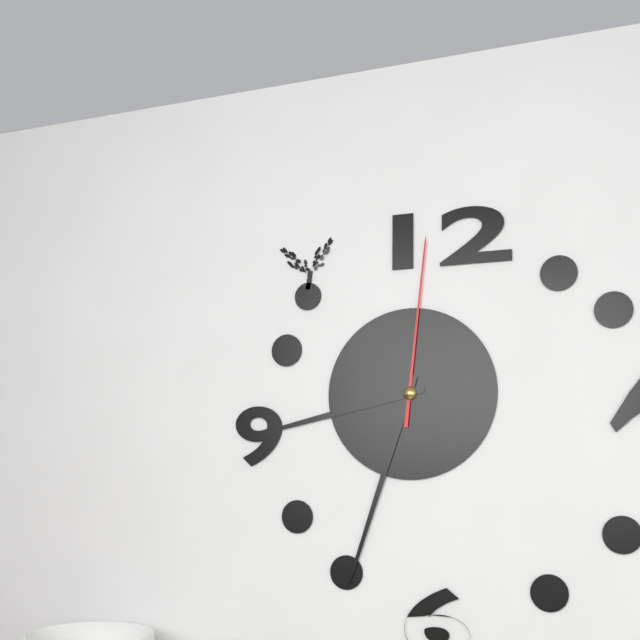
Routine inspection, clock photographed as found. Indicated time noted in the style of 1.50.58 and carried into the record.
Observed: 8.33.01
